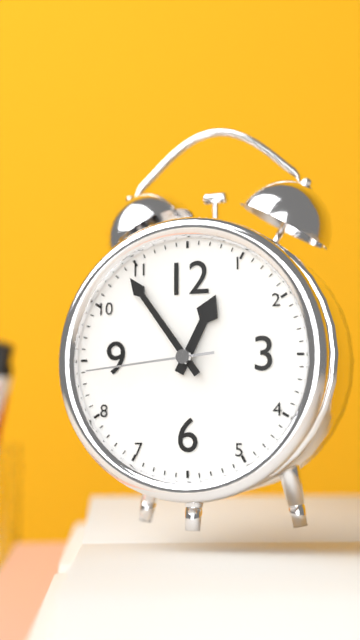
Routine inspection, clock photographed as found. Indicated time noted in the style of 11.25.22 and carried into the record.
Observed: 12.54.44
